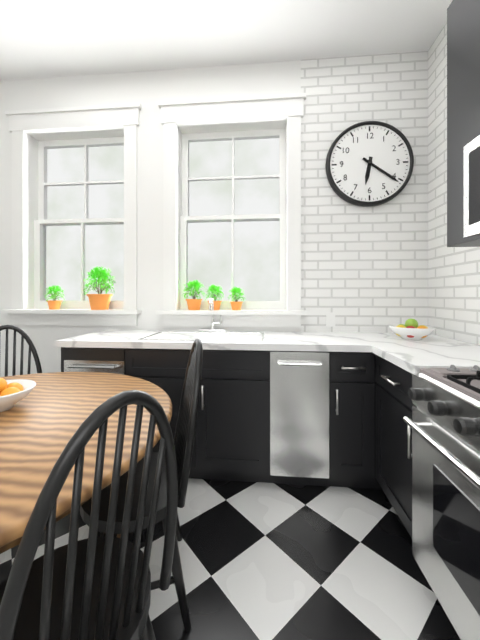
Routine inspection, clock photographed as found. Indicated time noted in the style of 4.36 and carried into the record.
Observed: 6.21
